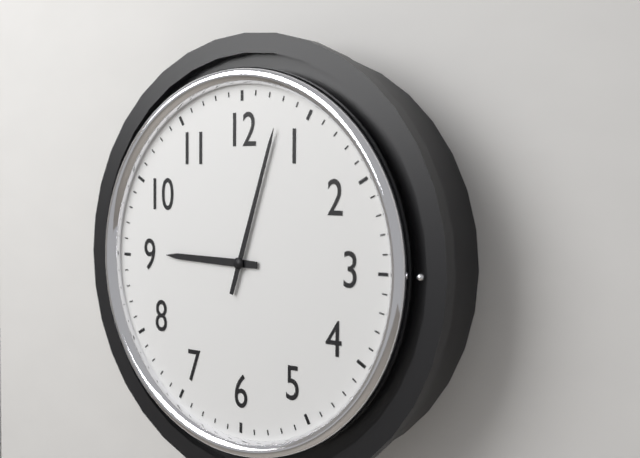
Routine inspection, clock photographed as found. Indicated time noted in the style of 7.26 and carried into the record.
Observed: 9.03
